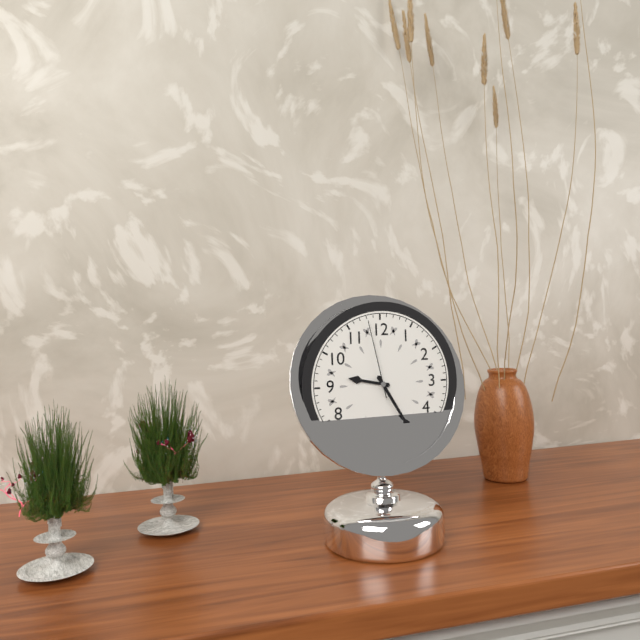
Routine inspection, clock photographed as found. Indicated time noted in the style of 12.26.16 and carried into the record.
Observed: 9.25.58
